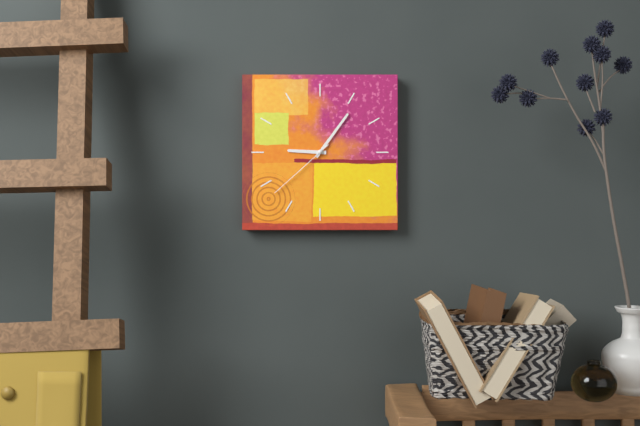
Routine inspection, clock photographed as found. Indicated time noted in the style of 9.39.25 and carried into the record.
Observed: 9.06.38
